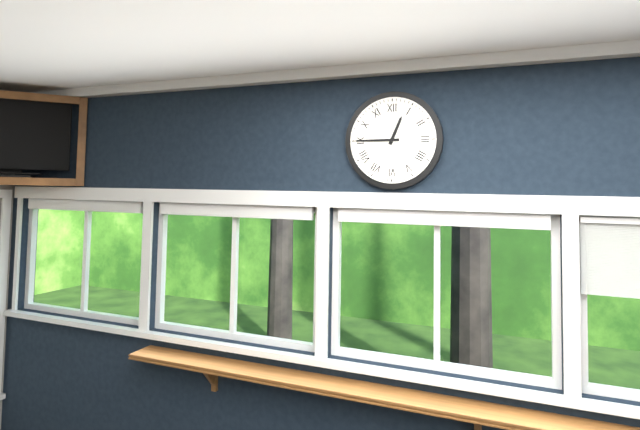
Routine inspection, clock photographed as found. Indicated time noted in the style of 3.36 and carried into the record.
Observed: 12.45
